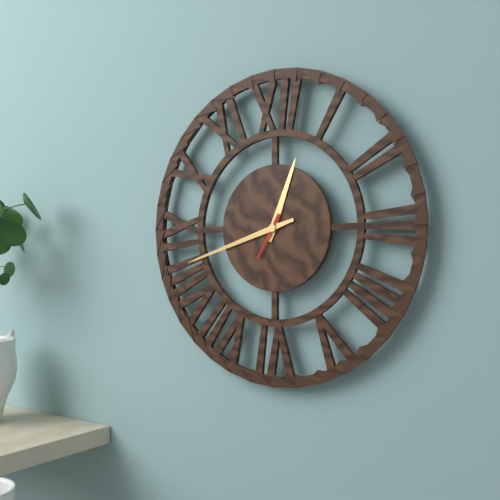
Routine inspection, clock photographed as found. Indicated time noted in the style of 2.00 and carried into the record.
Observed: 12.42
